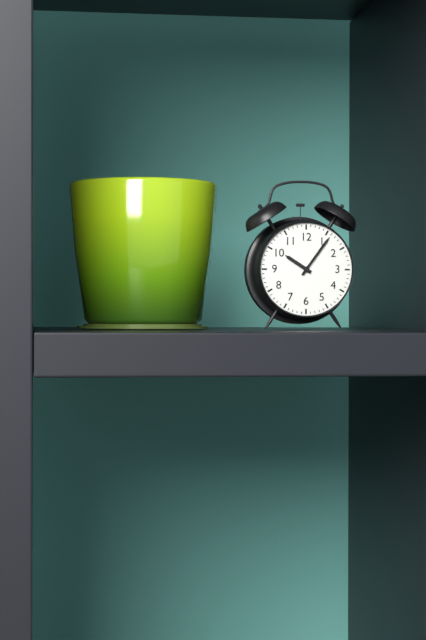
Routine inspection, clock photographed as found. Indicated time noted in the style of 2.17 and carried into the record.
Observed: 10.06
